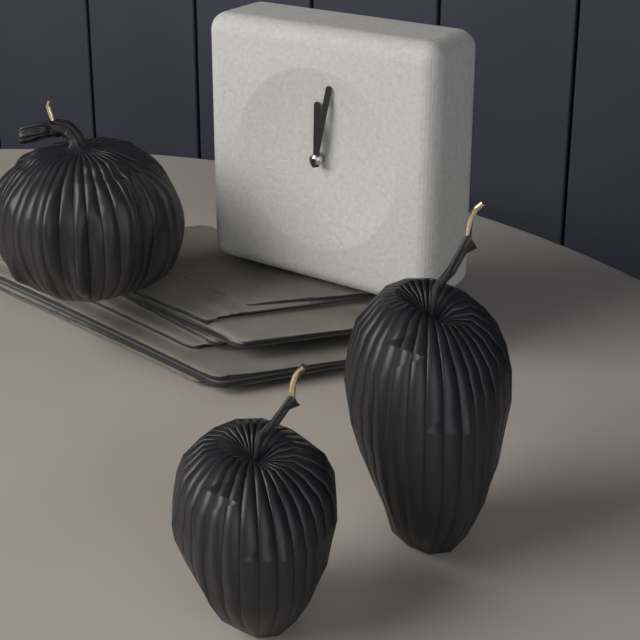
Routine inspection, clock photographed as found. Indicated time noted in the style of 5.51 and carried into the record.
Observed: 12.02
